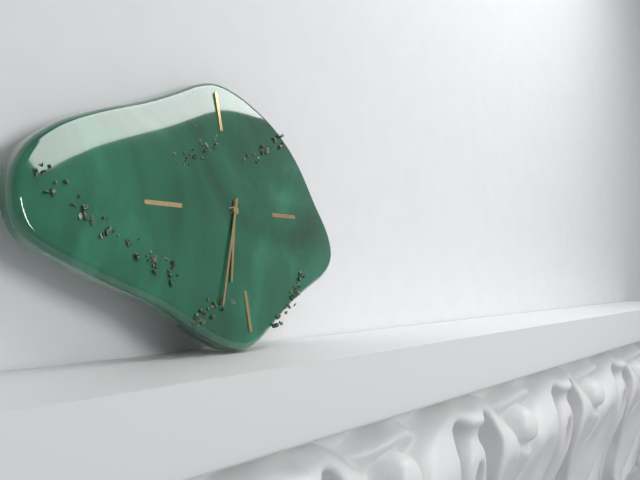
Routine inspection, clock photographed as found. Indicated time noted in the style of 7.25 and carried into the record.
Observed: 6.34
